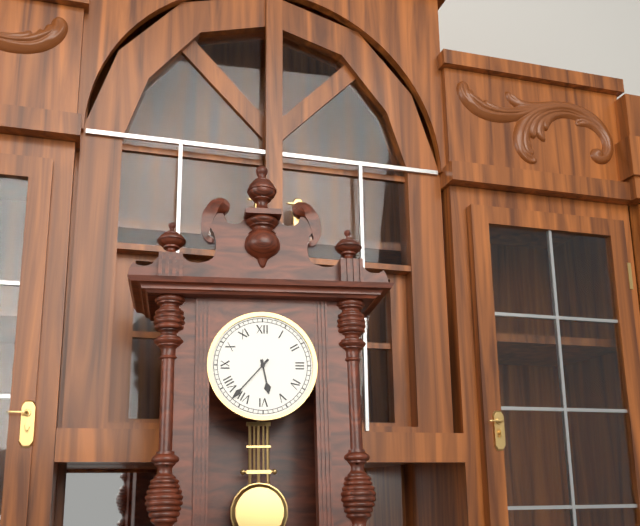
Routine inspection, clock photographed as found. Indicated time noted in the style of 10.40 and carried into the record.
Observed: 5.37
